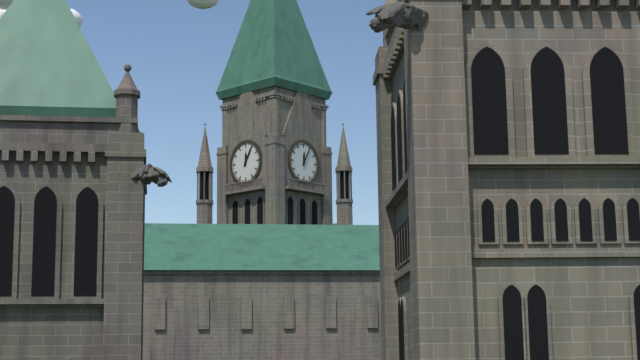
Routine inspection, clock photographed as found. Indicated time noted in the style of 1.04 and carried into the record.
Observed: 12.05
